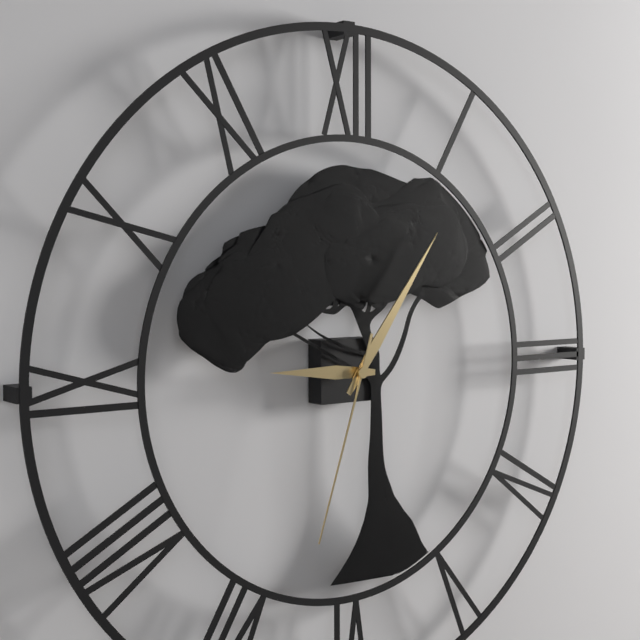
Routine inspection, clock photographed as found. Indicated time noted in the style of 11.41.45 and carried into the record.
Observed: 9.06.33
